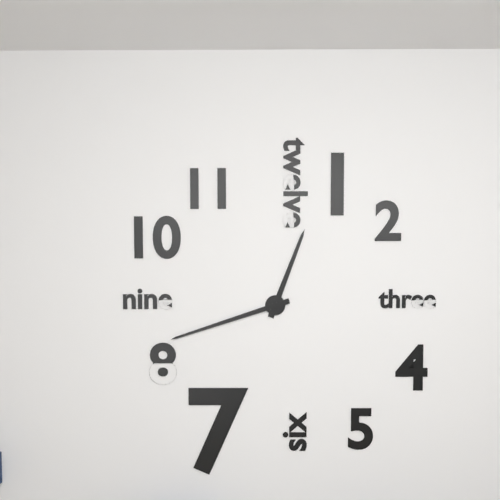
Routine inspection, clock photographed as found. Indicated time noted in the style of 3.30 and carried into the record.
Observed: 12.42
